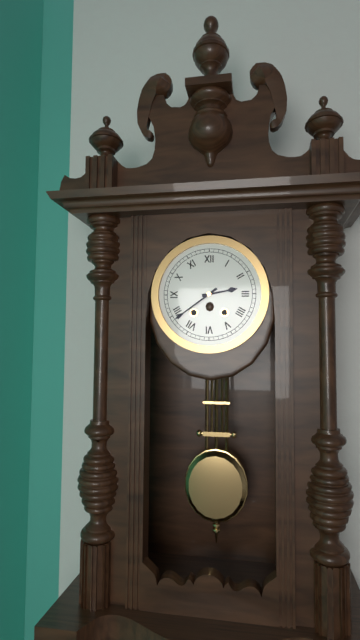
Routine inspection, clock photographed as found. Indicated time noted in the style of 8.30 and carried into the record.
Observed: 2.39
